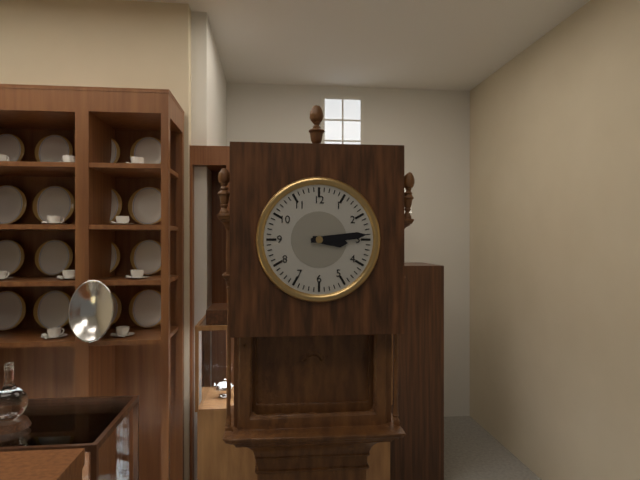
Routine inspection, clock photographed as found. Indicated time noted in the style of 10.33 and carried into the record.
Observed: 3.14
